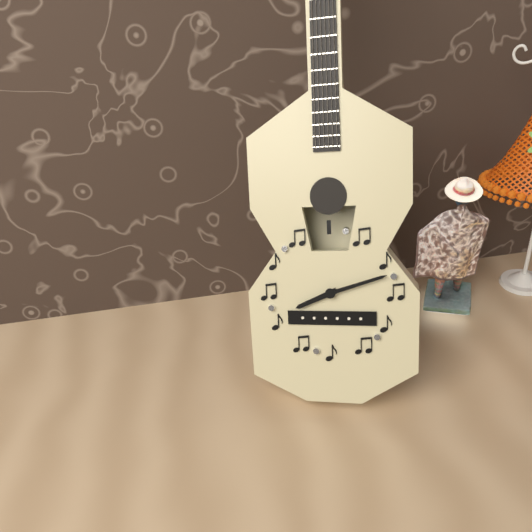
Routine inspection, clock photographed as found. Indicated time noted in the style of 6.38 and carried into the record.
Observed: 8.12
